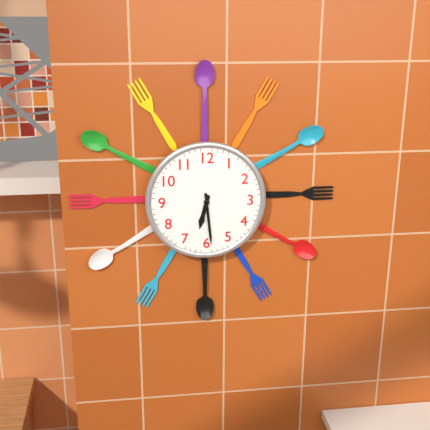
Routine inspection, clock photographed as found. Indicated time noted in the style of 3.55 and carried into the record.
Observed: 6.29
